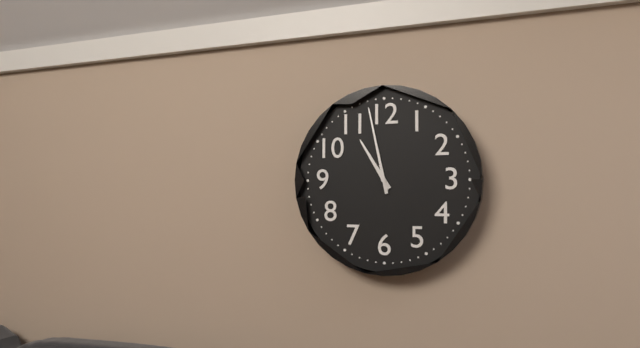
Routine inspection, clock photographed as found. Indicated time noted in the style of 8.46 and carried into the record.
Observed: 10.58
